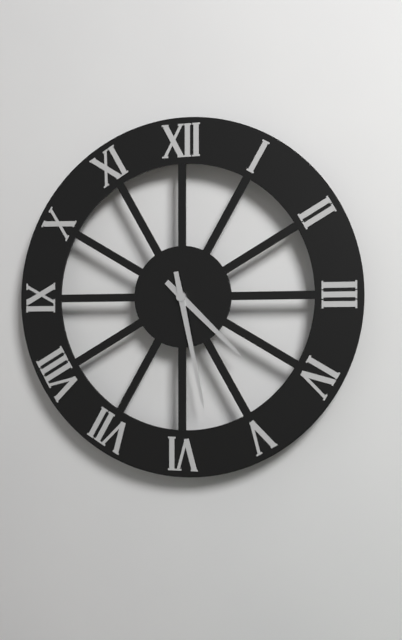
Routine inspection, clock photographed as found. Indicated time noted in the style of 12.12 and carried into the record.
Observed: 4.28
